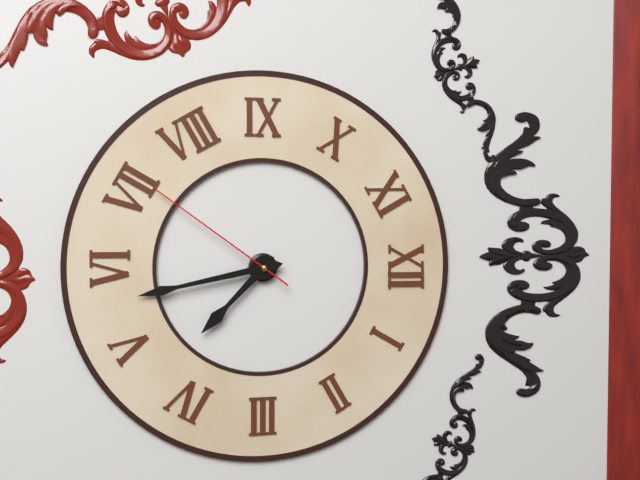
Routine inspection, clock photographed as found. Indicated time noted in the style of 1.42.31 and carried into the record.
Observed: 4.28.36
